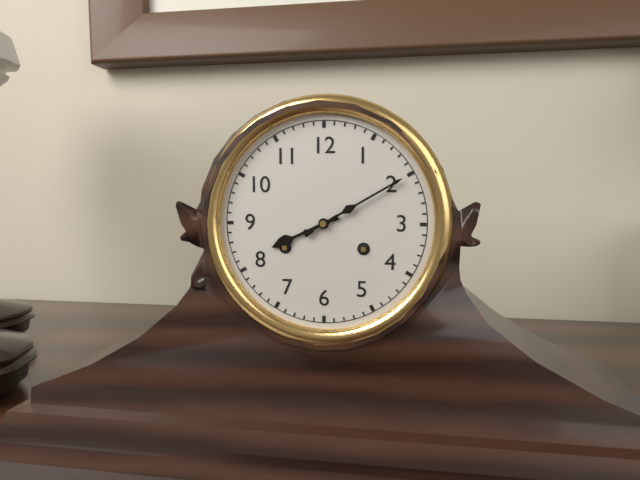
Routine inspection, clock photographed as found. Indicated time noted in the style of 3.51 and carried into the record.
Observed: 8.10
